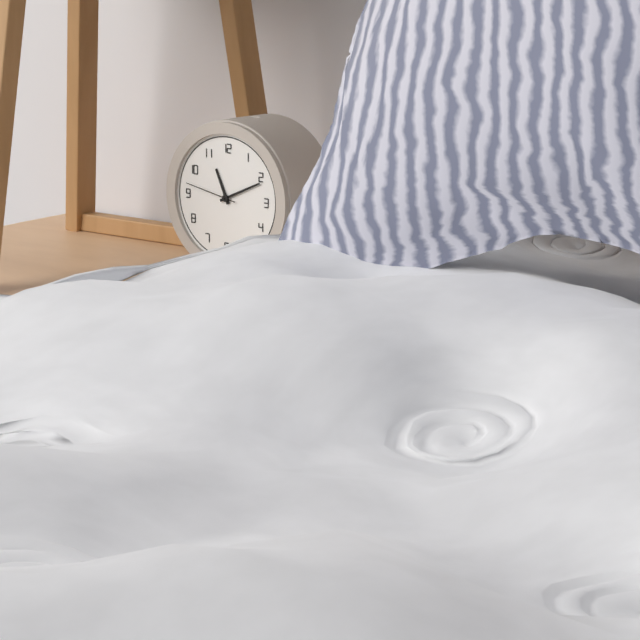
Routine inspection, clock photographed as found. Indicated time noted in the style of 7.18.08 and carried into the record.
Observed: 11.11.47
